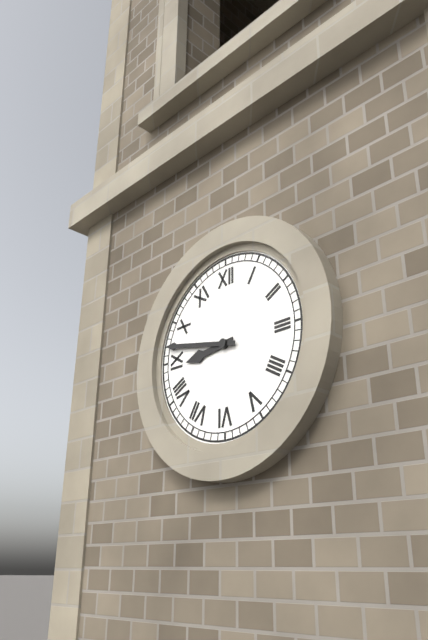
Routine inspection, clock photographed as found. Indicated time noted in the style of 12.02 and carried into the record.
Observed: 8.47
